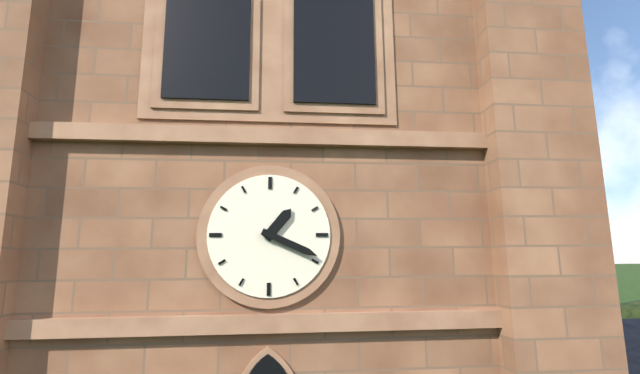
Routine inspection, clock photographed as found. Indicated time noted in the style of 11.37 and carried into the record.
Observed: 1.19
